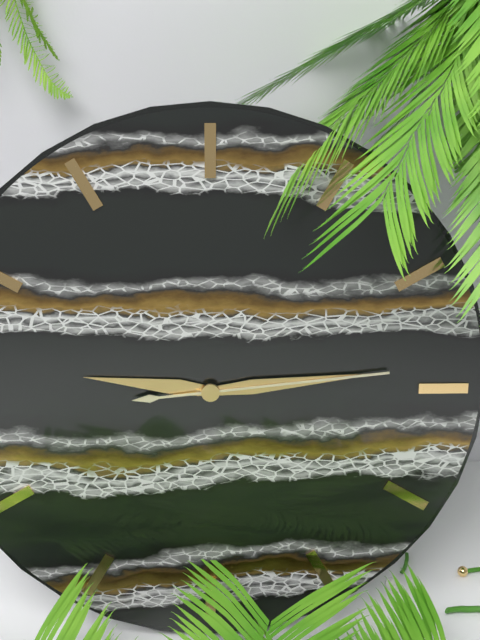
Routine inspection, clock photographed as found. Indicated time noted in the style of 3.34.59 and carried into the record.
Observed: 9.14.14
